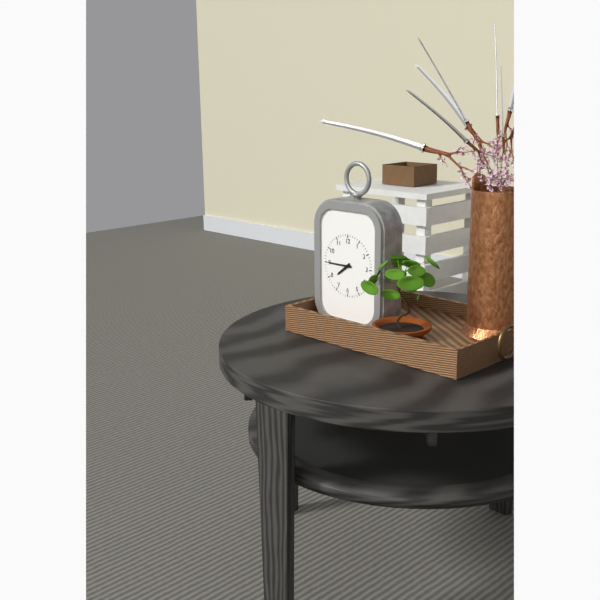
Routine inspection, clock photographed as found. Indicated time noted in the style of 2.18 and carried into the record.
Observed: 7.45
